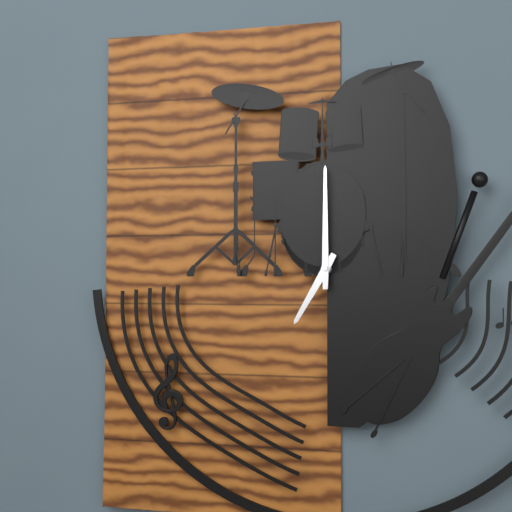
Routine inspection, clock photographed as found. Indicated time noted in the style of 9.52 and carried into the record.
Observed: 7.00
